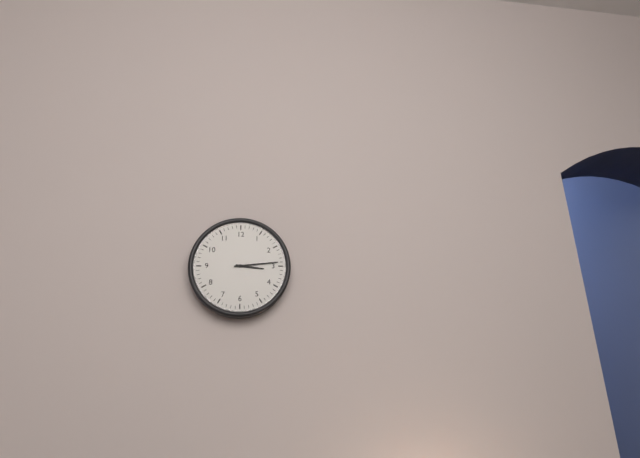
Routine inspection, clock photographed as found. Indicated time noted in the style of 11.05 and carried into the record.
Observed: 3.14
